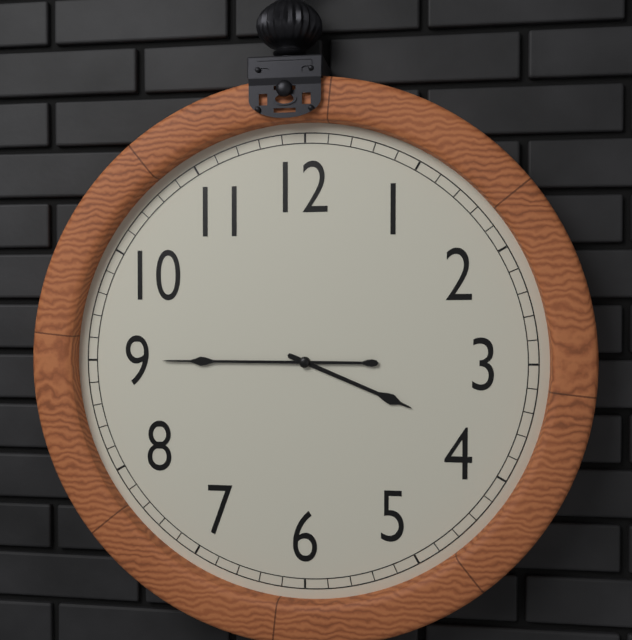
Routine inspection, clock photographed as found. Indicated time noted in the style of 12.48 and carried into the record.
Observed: 3.45
